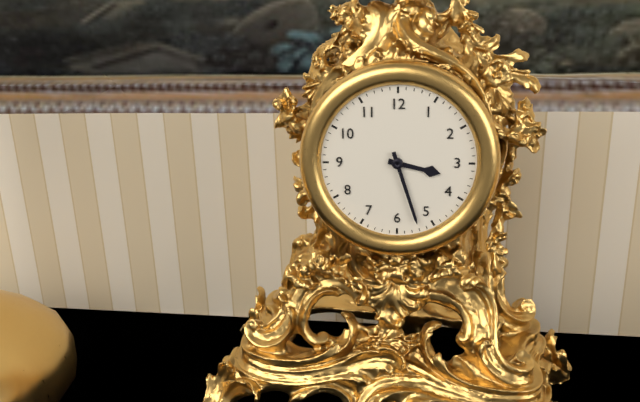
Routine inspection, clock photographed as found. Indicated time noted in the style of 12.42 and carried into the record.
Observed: 3.27
